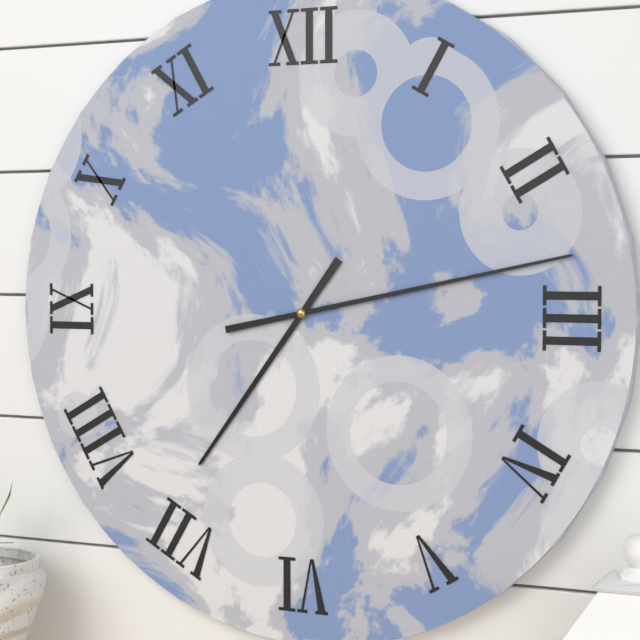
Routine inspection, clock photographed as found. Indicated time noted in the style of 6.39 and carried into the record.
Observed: 7.13
